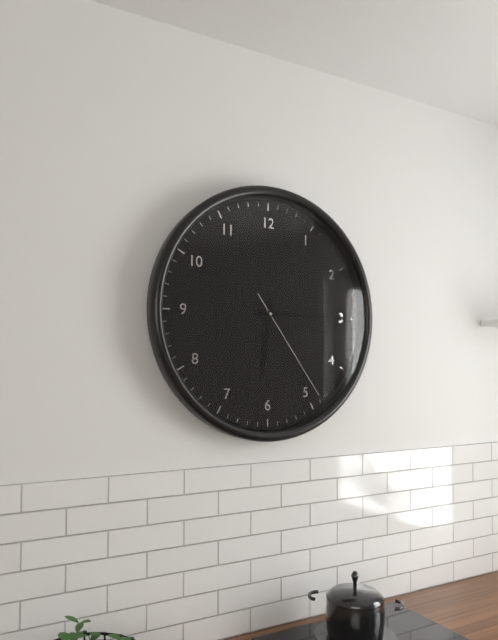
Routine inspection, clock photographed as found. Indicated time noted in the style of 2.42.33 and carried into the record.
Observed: 6.15.24
